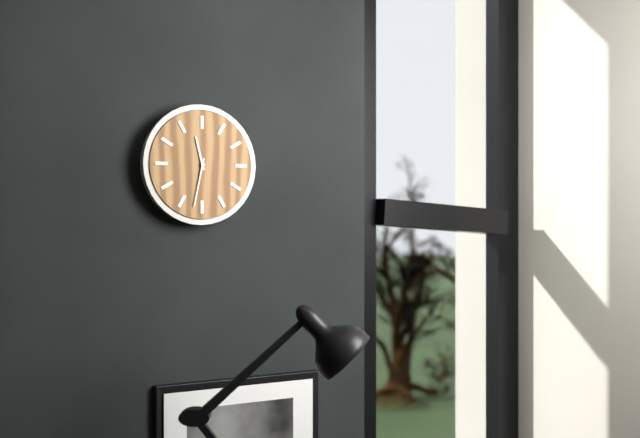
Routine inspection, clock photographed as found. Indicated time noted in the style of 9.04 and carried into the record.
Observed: 11.32
